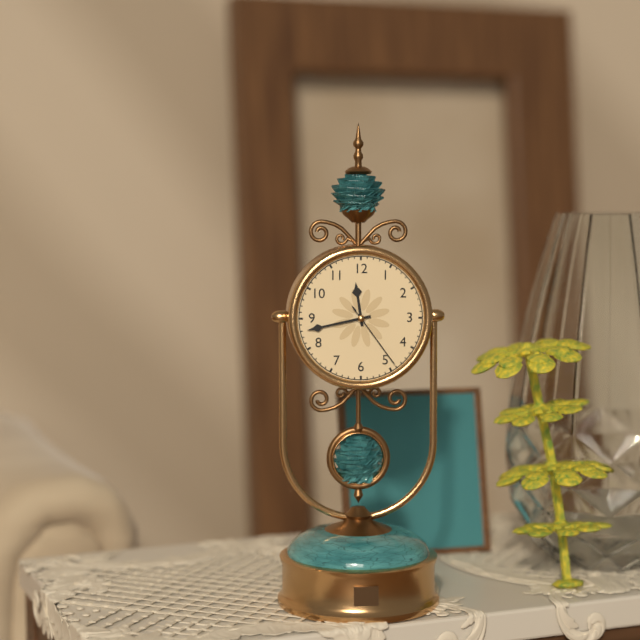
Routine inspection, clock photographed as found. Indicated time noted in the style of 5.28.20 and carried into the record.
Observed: 11.43.24
